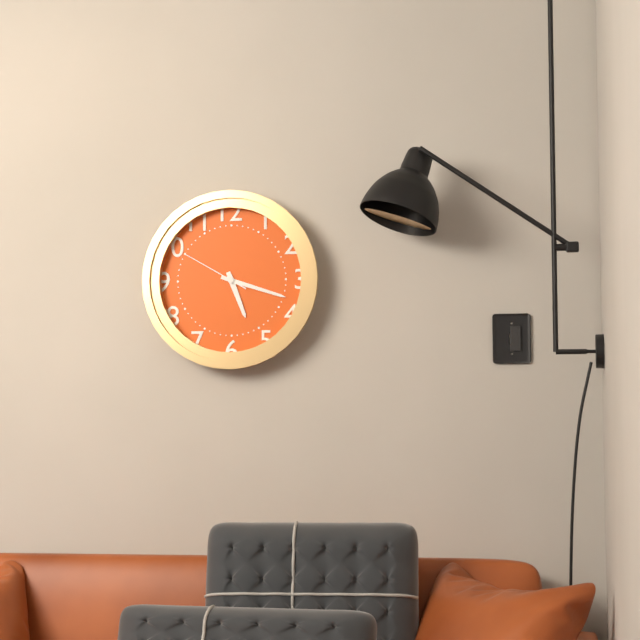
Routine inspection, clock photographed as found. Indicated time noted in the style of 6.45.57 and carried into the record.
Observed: 5.18.50
